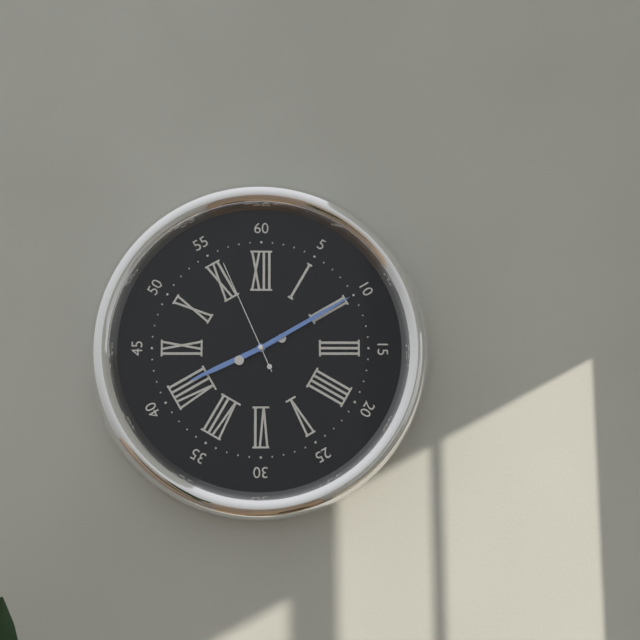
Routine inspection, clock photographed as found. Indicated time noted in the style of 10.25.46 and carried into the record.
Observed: 8.10.56
